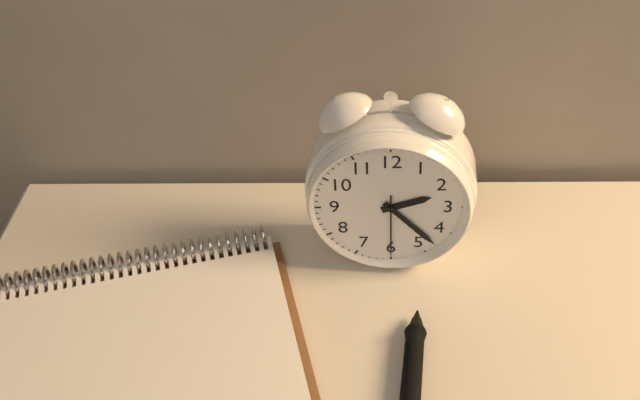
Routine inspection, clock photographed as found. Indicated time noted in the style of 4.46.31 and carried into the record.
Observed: 2.23.30
